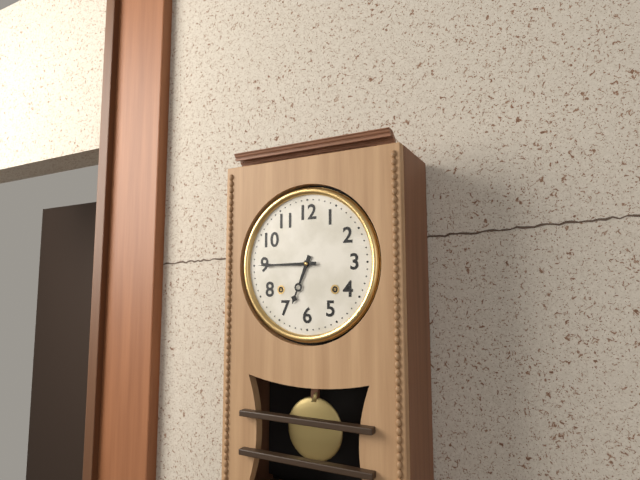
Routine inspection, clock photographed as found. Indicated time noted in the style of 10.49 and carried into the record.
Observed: 6.45
